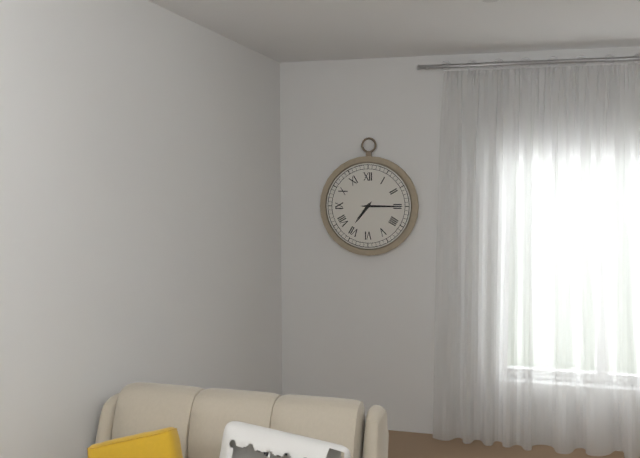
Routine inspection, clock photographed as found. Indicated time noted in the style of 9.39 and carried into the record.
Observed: 7.15
